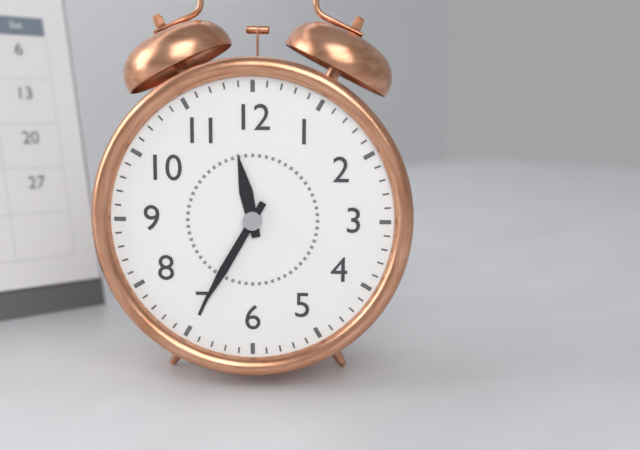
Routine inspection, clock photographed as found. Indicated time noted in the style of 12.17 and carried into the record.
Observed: 11.35
